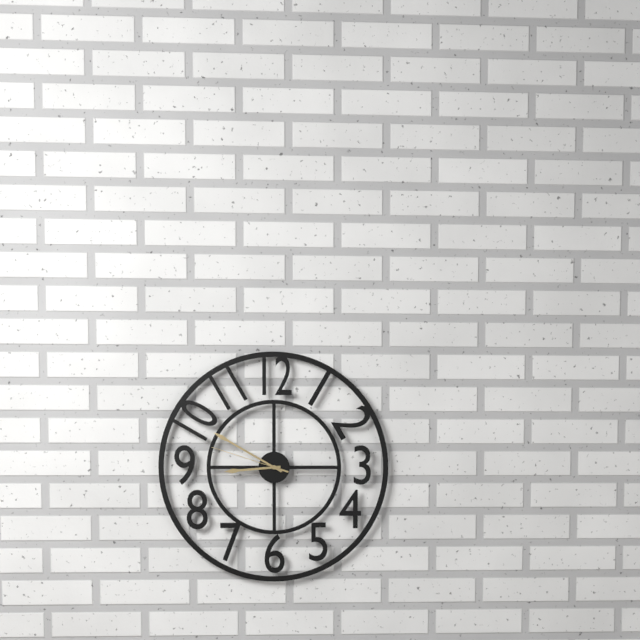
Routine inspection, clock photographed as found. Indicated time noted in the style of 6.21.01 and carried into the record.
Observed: 8.50.48
